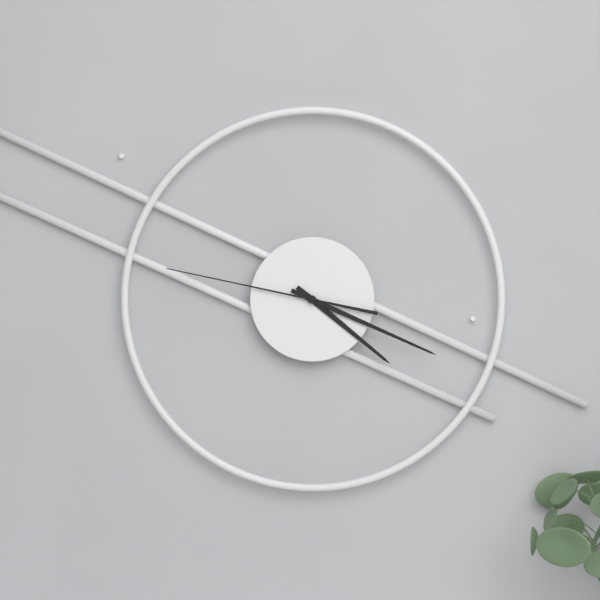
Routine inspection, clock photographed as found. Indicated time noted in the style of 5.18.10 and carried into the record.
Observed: 4.19.47
